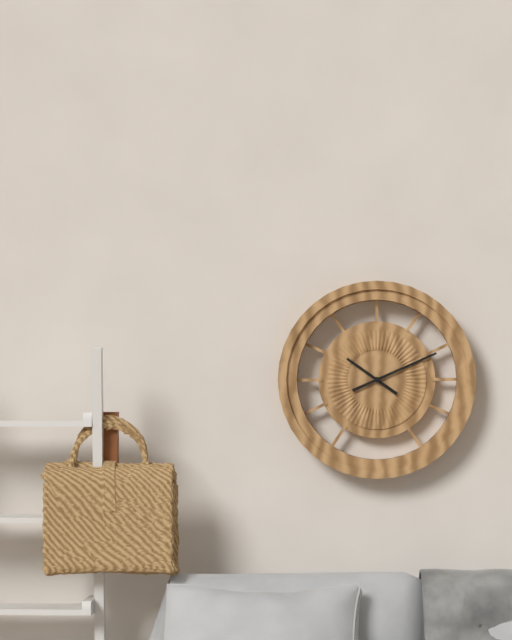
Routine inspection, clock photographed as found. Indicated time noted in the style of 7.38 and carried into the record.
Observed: 10.11
